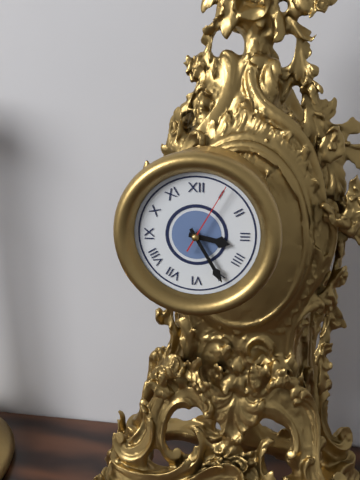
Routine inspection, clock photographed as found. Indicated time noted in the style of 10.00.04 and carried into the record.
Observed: 3.25.05
